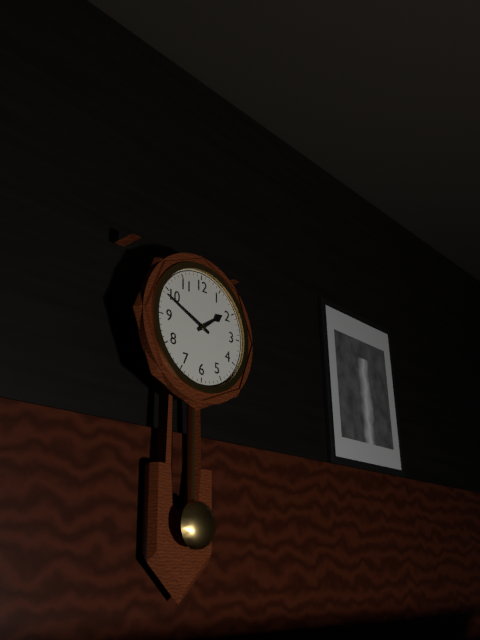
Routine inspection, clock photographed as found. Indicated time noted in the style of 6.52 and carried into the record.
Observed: 1.49
